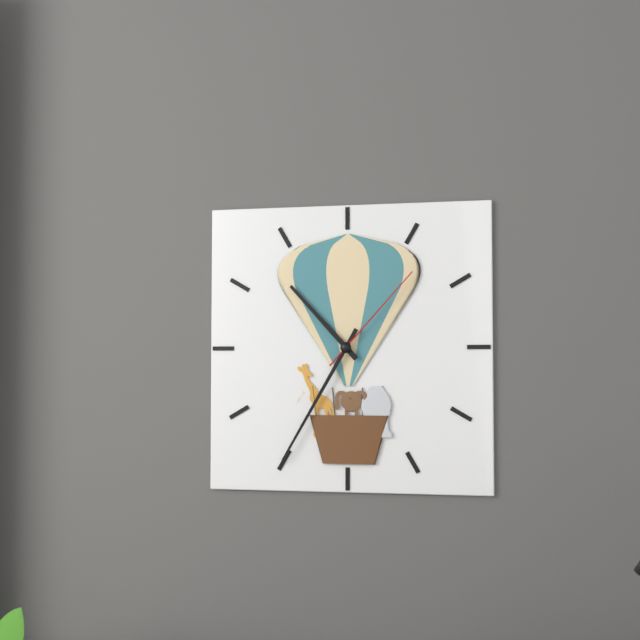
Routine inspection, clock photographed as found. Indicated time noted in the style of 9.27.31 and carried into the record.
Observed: 10.35.07
